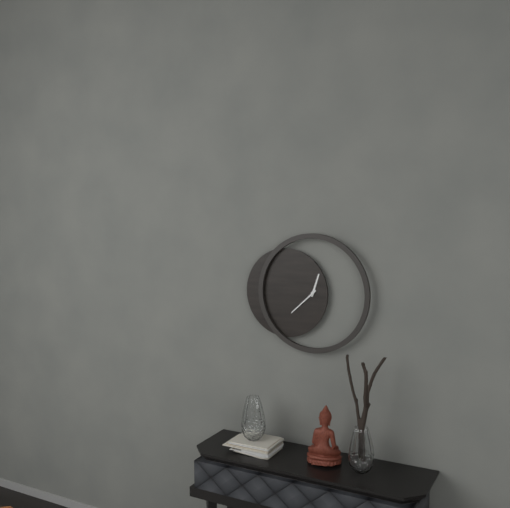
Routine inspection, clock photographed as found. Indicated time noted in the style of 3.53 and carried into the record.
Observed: 12.38
